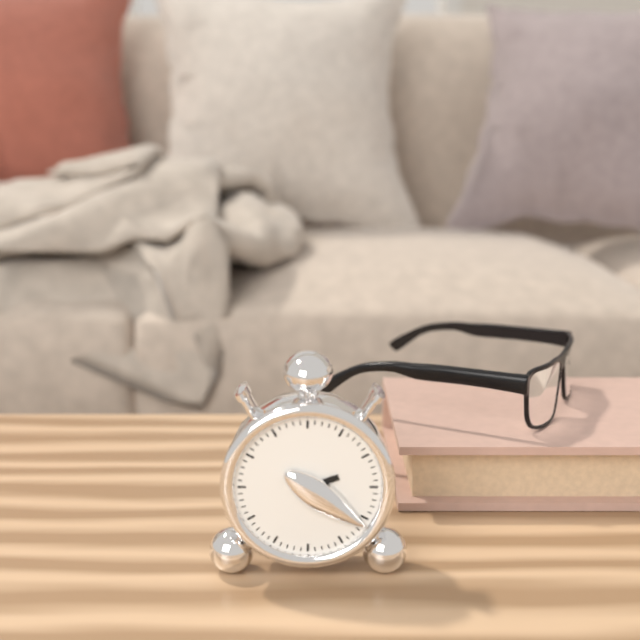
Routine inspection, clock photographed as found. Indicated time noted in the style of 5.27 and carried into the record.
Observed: 2.21
